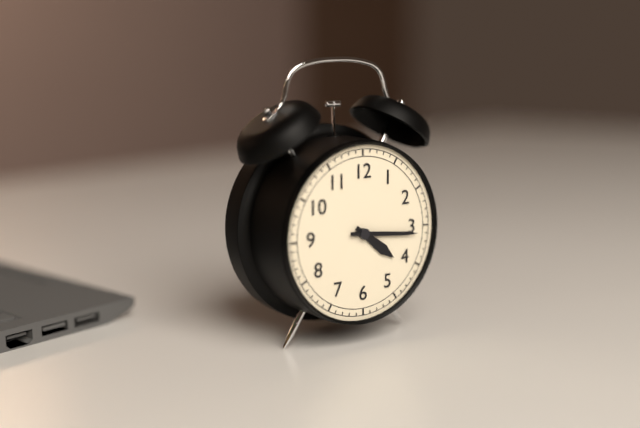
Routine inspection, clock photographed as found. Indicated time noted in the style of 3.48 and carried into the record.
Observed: 4.16
